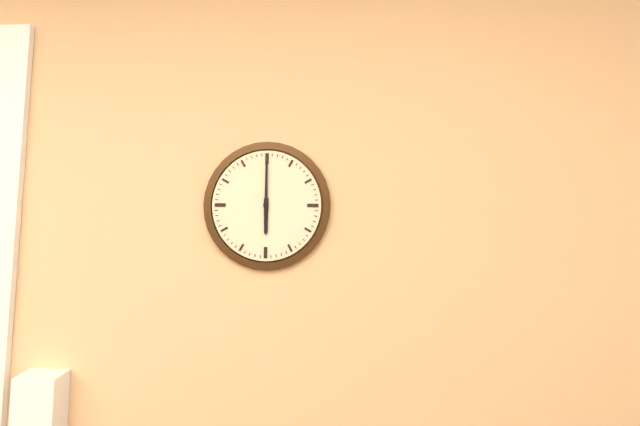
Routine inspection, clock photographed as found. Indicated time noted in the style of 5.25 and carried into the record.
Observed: 6.00
